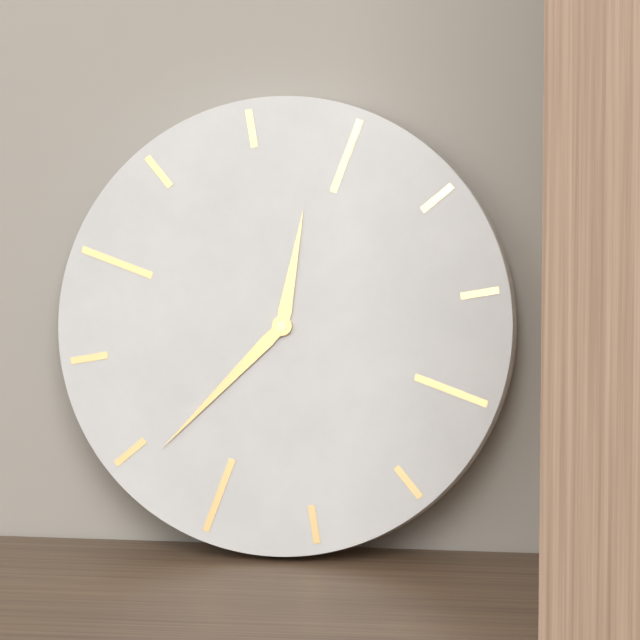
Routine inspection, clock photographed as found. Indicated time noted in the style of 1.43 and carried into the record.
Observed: 12.39
